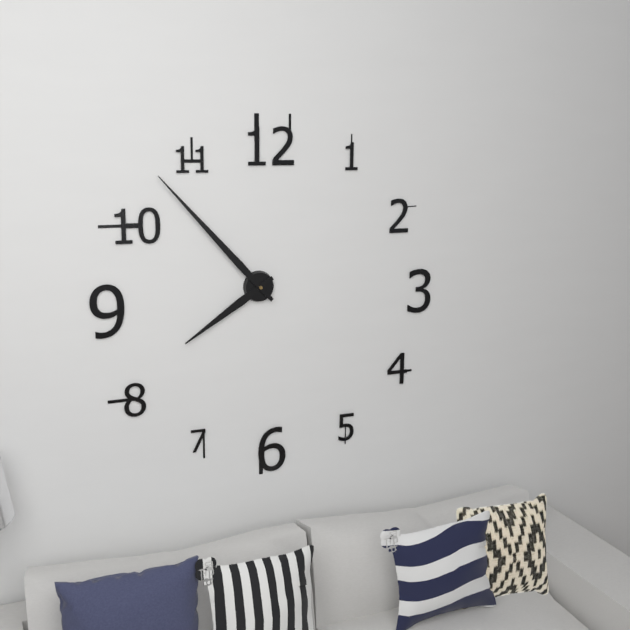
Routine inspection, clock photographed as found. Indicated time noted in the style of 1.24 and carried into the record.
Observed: 7.53
